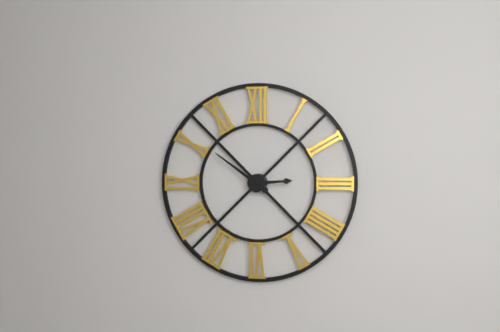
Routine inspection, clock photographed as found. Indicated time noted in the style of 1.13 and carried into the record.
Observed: 2.51
